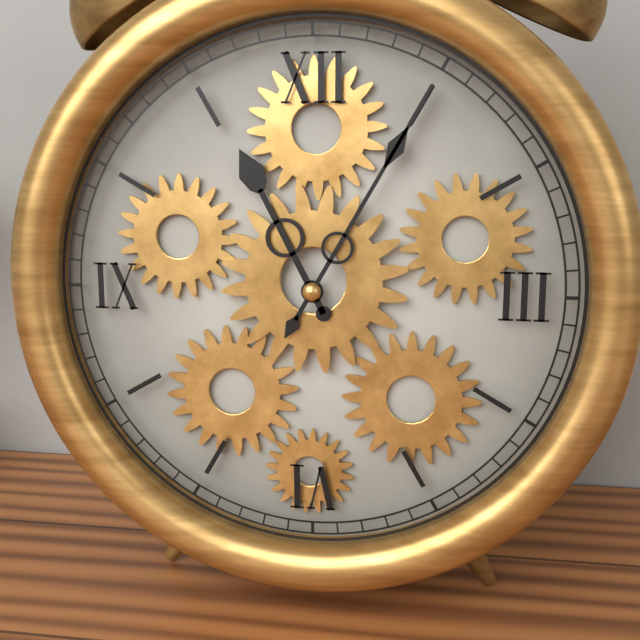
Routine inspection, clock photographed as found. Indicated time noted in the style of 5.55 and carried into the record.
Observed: 11.05
